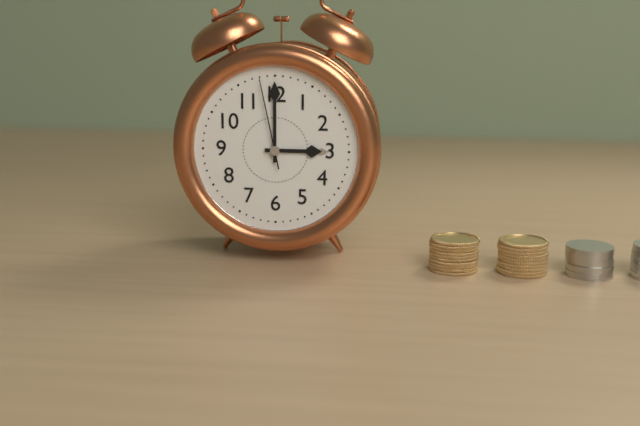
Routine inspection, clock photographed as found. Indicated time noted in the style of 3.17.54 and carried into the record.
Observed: 3.00.58
